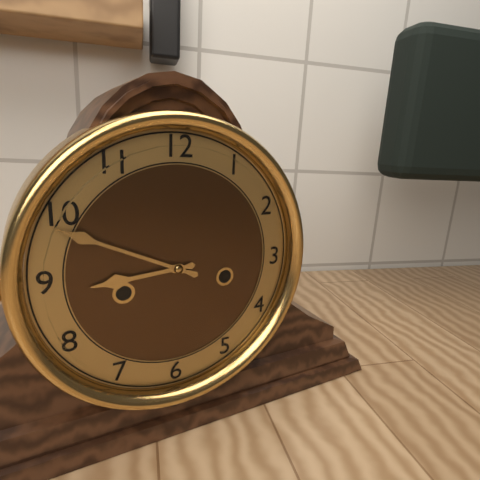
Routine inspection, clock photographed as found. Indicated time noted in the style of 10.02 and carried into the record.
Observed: 8.49
